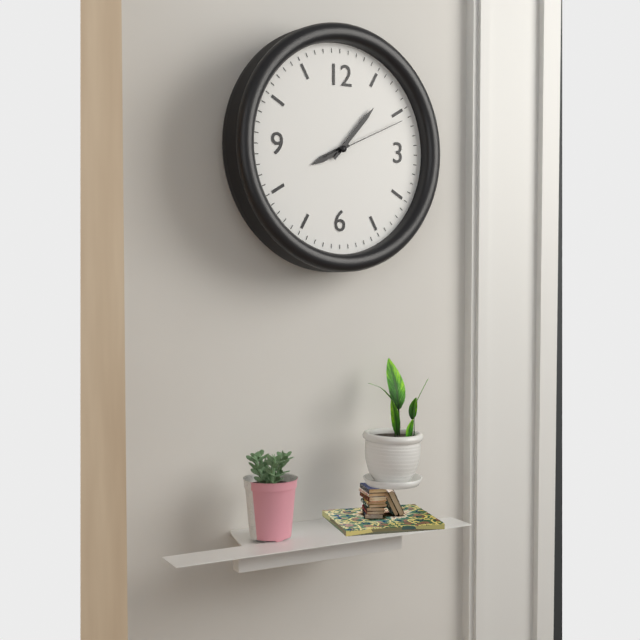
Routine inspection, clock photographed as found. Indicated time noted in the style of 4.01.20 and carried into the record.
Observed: 8.07.11
